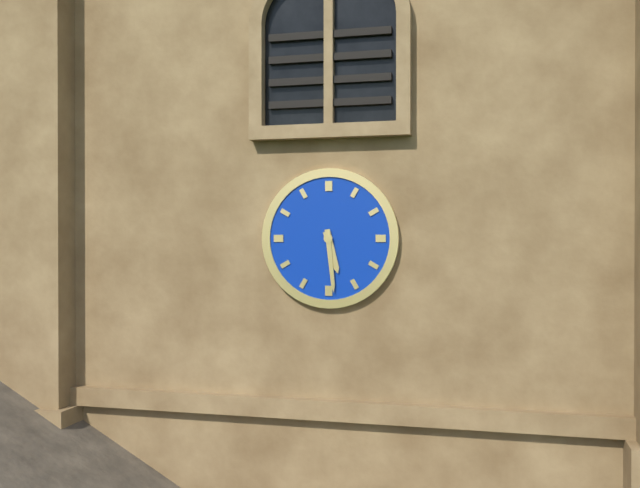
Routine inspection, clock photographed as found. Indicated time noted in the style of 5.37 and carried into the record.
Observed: 5.29
